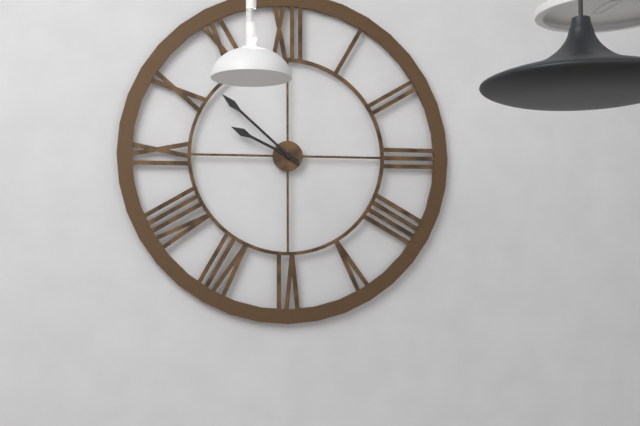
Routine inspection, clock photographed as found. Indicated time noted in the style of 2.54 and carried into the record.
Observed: 9.52
